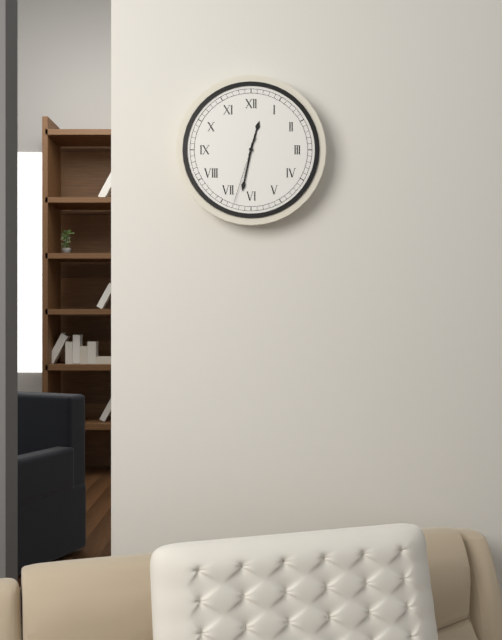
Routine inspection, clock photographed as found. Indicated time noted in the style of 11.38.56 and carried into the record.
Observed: 12.32.33
